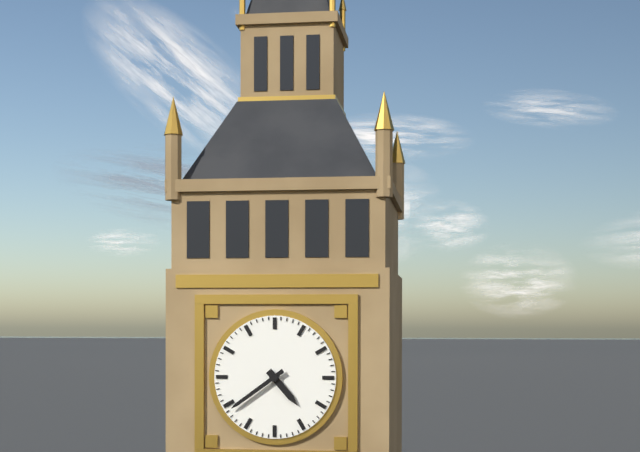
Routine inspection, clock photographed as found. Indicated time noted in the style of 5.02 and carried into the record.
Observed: 4.39
